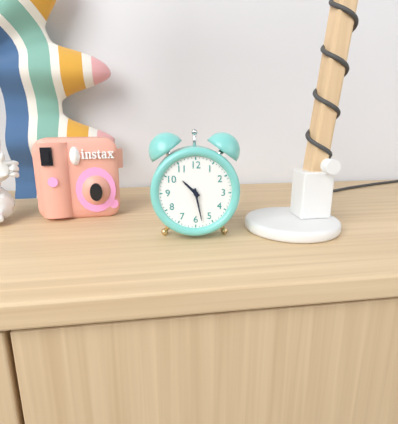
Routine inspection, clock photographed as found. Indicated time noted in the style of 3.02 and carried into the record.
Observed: 10.28
